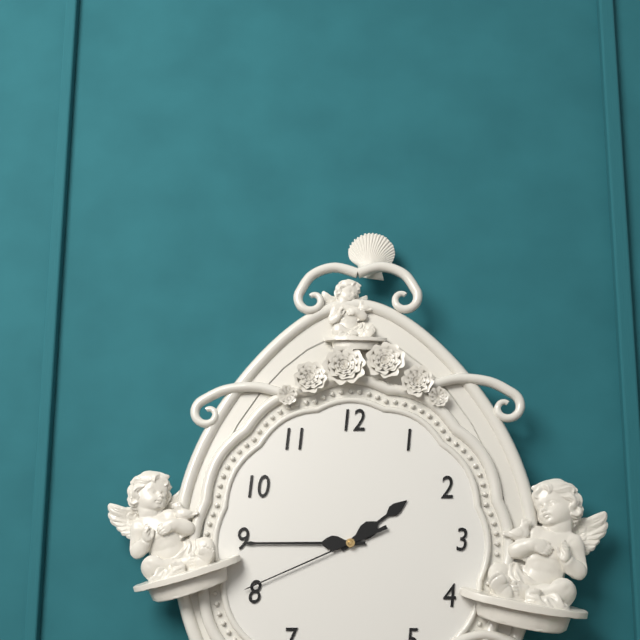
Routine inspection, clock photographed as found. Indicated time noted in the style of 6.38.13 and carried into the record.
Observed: 1.45.41
